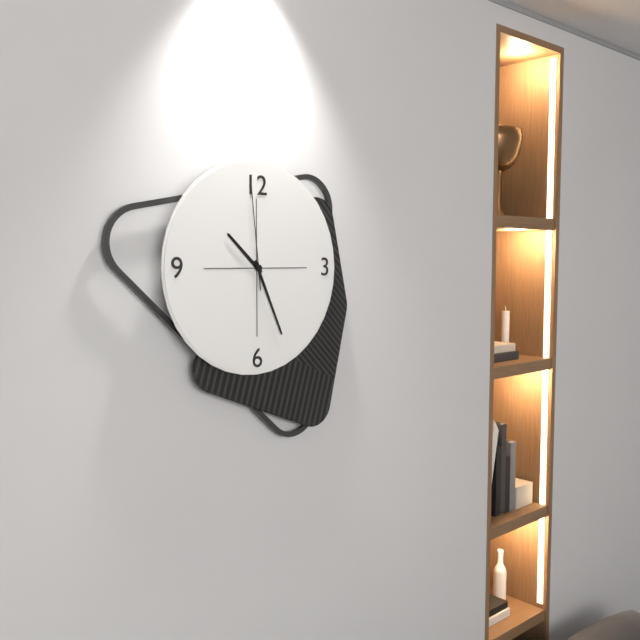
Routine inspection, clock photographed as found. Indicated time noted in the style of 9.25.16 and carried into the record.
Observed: 10.26.59
